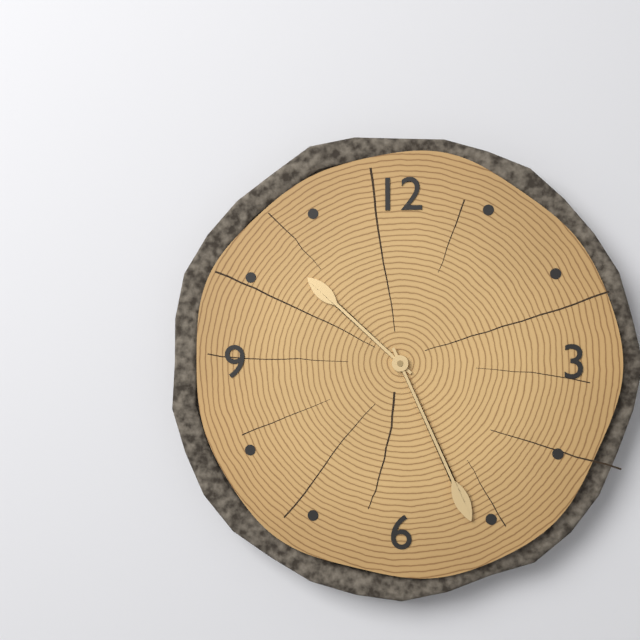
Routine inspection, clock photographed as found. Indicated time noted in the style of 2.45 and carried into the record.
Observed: 10.26
